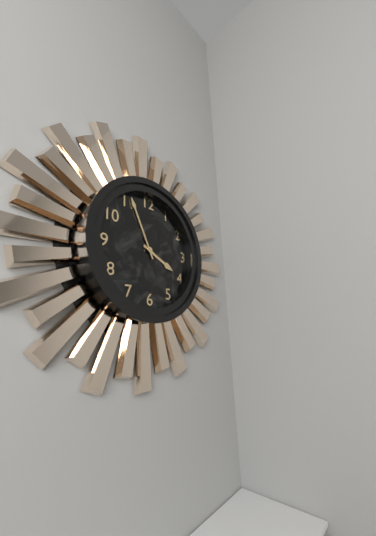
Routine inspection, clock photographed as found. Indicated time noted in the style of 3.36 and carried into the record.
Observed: 3.56
